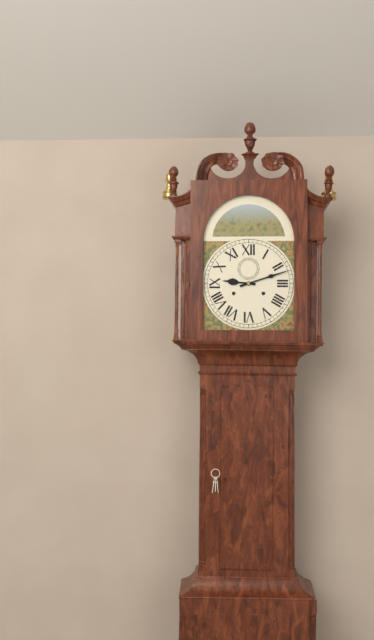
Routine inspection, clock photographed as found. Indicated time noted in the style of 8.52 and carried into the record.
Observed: 9.12
